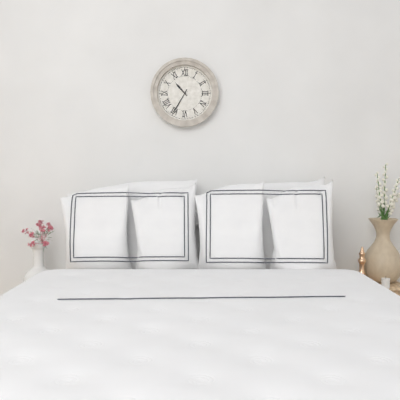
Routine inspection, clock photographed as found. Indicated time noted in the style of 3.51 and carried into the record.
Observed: 10.35
